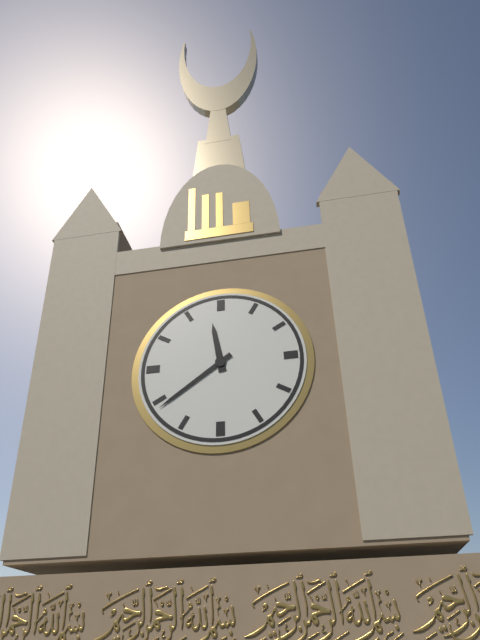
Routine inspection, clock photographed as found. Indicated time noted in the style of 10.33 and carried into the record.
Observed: 11.39
